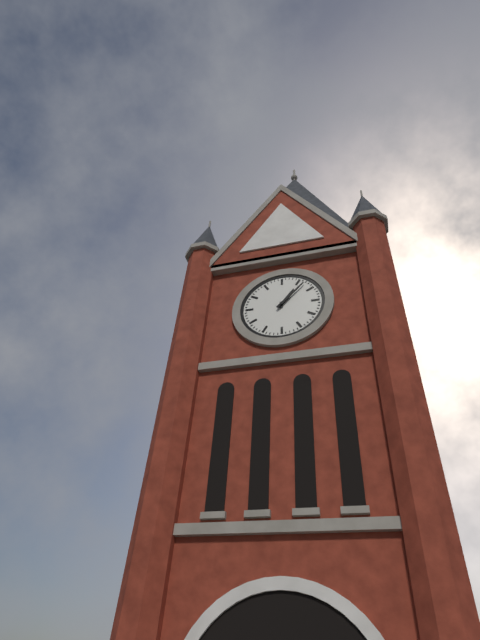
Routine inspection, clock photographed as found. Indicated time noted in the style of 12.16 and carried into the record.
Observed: 1.07
